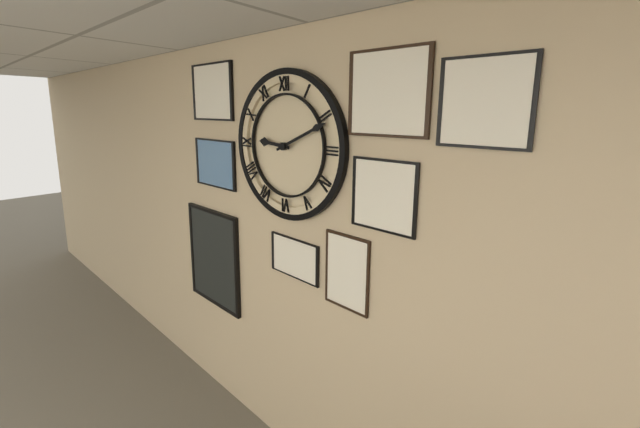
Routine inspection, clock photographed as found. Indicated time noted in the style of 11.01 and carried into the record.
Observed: 9.11
